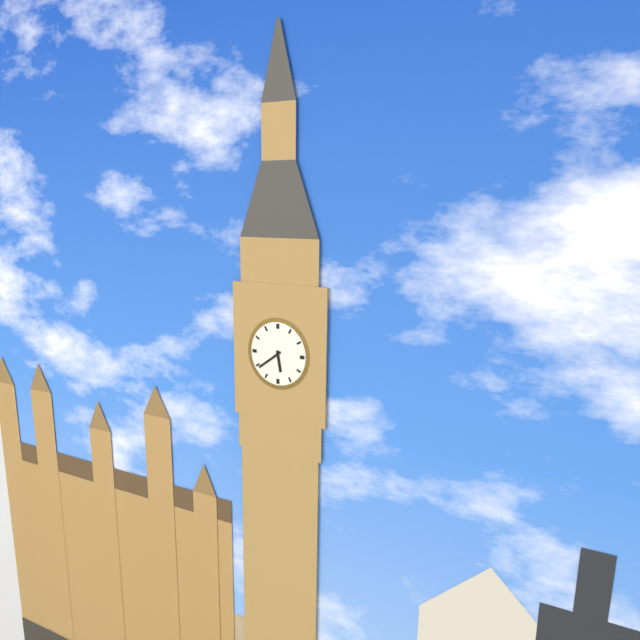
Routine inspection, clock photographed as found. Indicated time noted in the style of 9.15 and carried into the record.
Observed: 5.39
